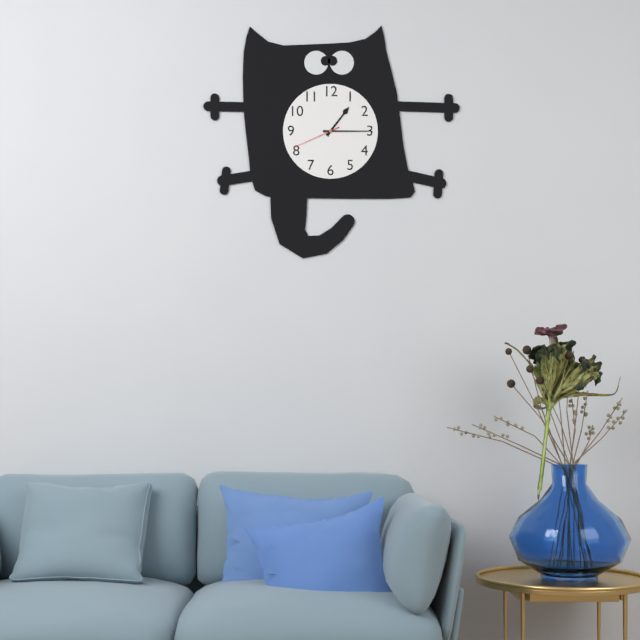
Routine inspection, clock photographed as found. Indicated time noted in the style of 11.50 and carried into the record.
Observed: 1.15
